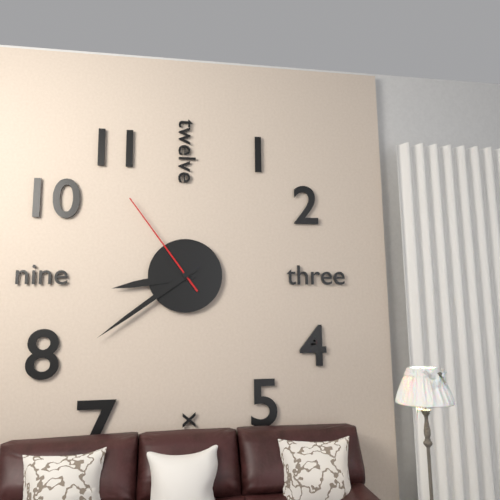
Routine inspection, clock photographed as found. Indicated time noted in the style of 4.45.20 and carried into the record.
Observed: 8.39.54
